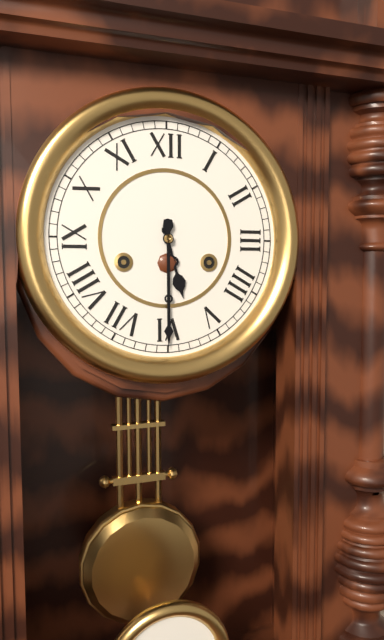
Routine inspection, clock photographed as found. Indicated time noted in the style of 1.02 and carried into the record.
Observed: 5.30
